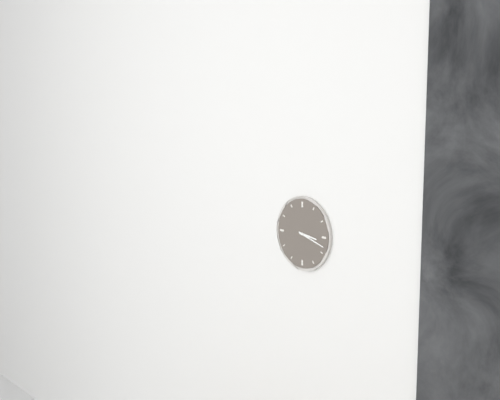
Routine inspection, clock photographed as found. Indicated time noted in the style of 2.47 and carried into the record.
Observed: 3.18
